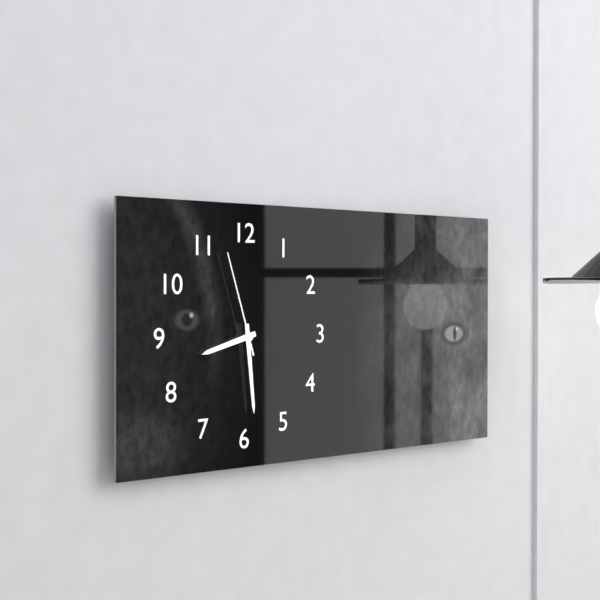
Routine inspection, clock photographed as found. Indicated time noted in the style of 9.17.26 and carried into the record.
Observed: 8.29.57
